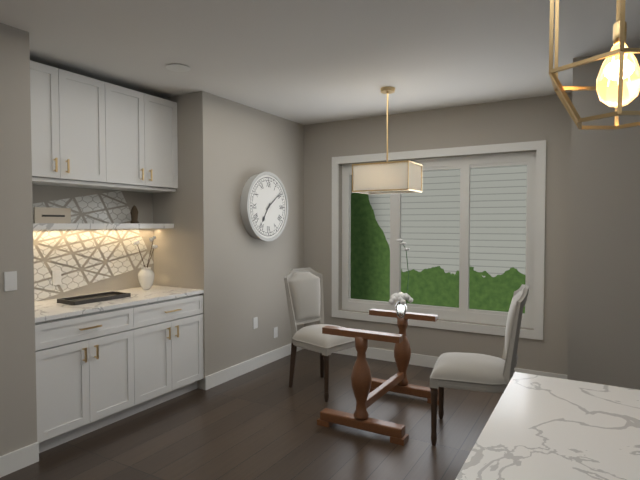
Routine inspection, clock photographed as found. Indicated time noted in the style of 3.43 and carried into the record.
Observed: 7.09
